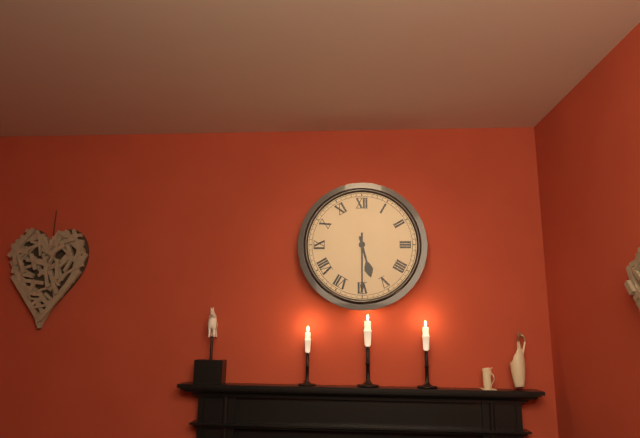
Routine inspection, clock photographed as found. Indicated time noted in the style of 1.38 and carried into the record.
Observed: 5.30
